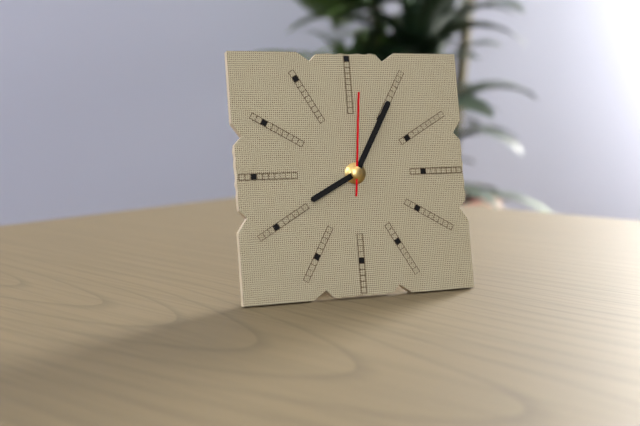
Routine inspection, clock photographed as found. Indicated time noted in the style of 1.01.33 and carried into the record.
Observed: 8.05.01
